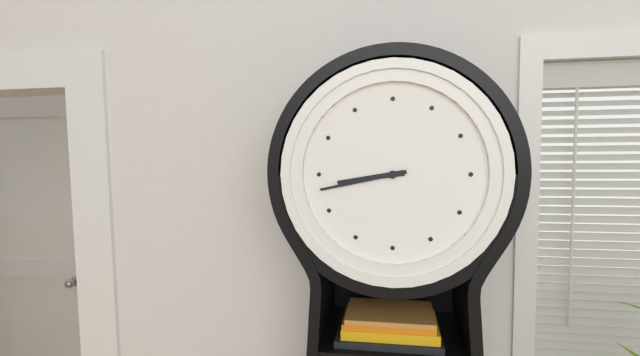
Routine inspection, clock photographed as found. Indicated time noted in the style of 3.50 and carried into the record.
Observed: 8.43
